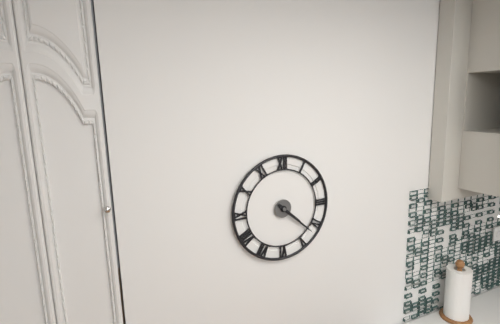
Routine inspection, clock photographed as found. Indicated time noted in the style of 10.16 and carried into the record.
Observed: 4.22
